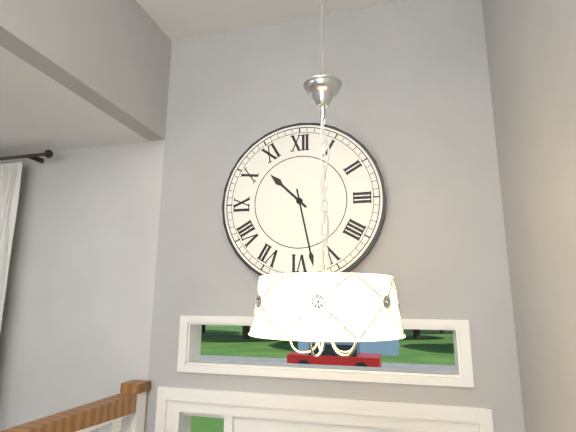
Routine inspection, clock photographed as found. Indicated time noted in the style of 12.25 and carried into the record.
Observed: 10.28
